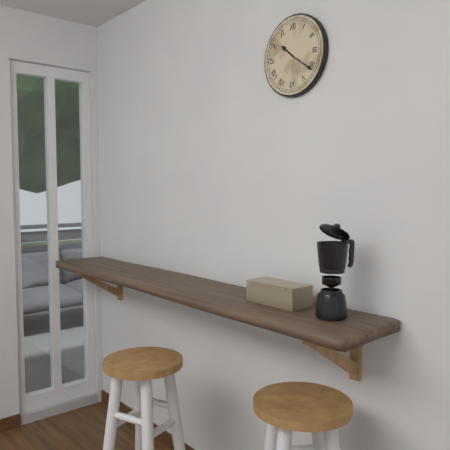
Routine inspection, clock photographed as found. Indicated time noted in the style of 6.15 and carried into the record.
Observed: 10.21
